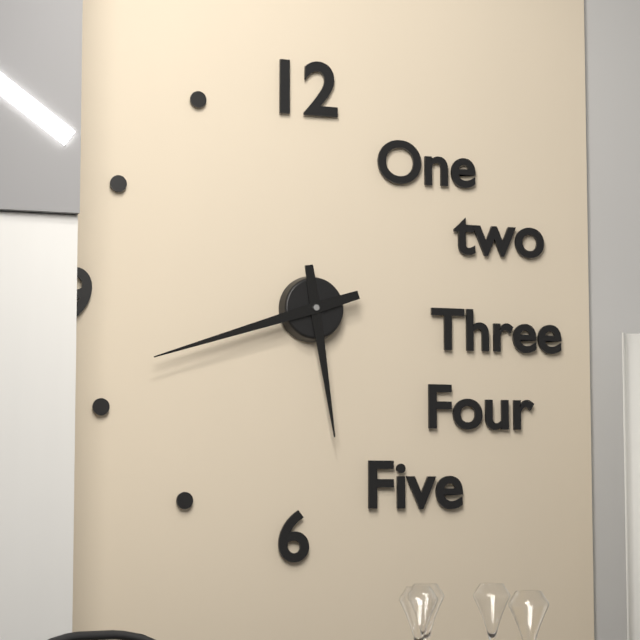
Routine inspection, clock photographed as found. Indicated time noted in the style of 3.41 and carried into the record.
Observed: 5.42
